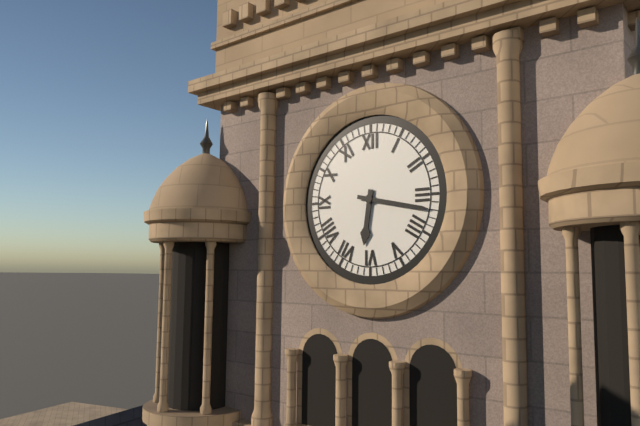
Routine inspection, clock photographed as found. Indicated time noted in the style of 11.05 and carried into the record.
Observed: 6.17
